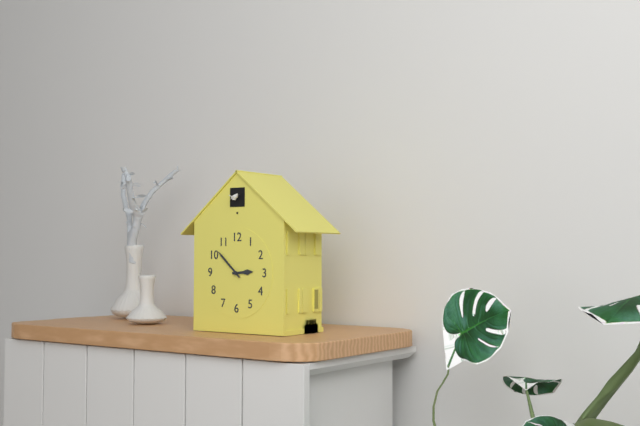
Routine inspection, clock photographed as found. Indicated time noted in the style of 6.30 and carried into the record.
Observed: 2.52
